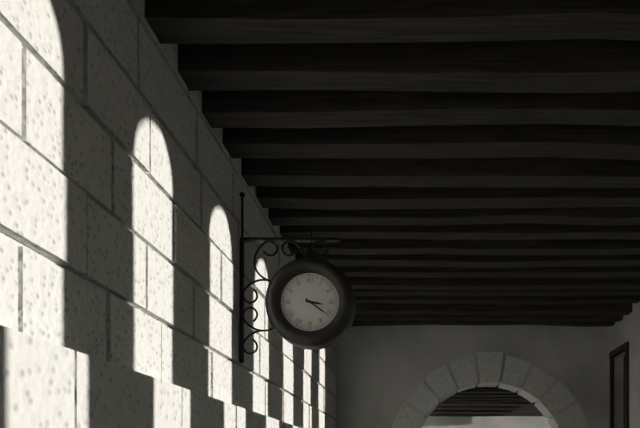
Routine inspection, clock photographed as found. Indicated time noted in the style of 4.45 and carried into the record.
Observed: 3.21
